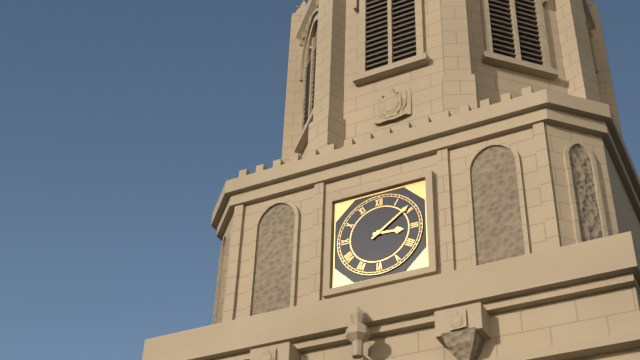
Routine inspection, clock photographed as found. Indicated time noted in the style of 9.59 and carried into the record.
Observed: 3.09
